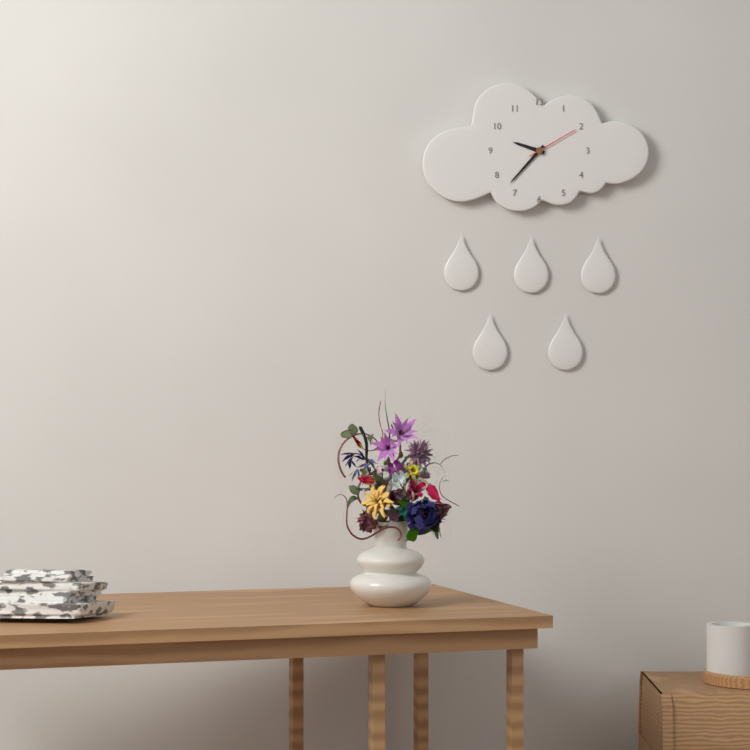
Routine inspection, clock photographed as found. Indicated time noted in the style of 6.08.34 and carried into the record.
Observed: 9.37.10
